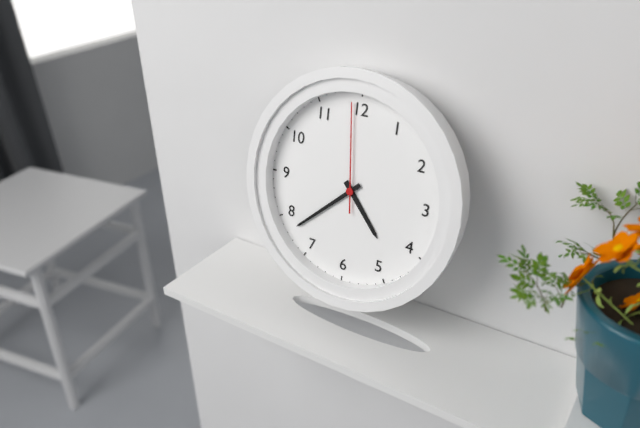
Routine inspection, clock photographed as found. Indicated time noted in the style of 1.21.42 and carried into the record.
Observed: 4.38.59
